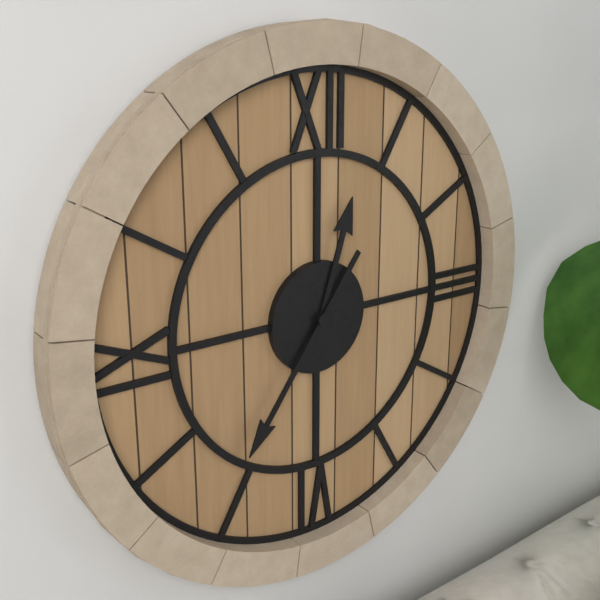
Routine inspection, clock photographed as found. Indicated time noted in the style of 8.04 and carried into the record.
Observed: 12.36
